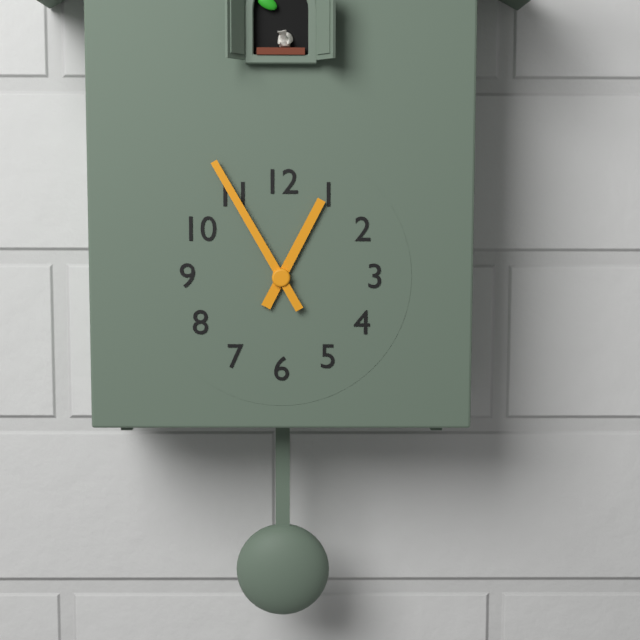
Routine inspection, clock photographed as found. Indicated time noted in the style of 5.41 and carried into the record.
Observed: 12.55
